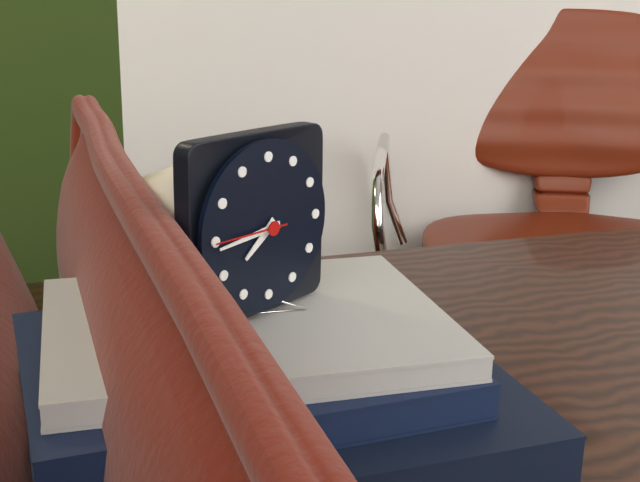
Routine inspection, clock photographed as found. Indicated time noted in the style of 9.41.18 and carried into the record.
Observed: 7.44.45
